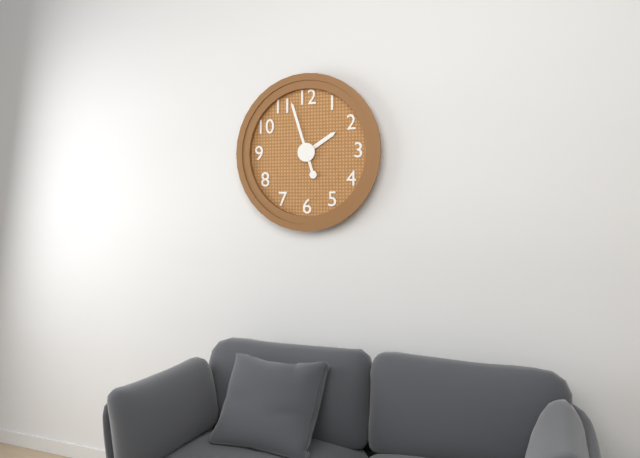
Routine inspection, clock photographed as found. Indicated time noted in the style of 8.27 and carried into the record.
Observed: 1.57
